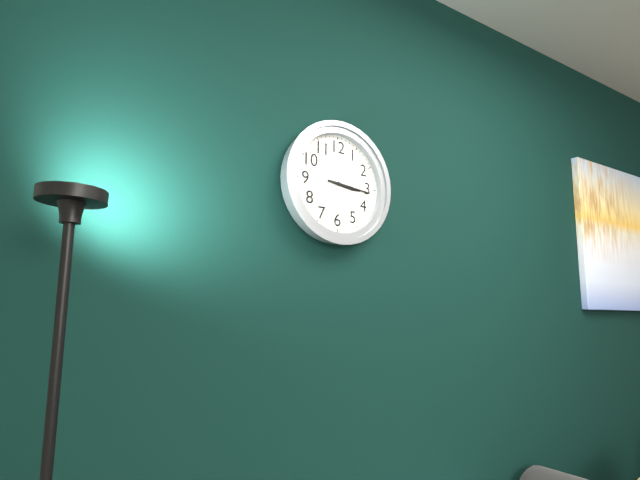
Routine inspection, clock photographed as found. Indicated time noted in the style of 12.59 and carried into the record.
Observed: 3.16
